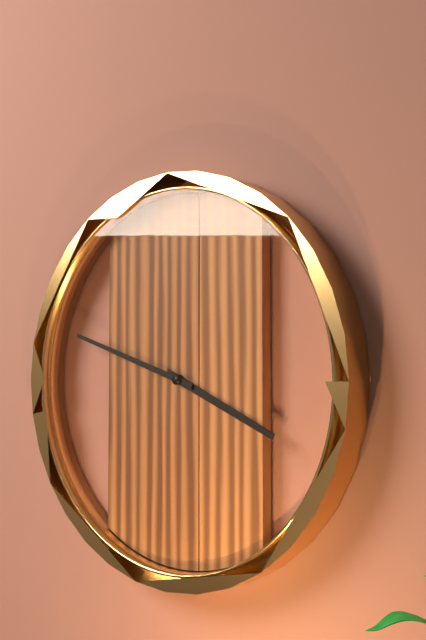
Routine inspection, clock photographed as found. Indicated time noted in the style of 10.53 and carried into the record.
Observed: 3.48
